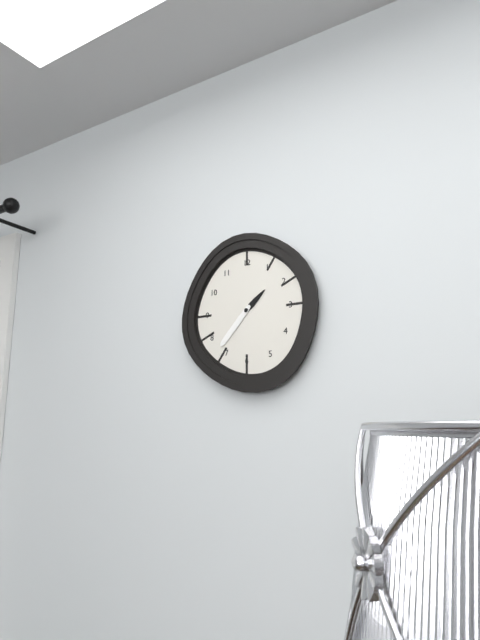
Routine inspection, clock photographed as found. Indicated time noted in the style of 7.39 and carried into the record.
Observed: 1.37
